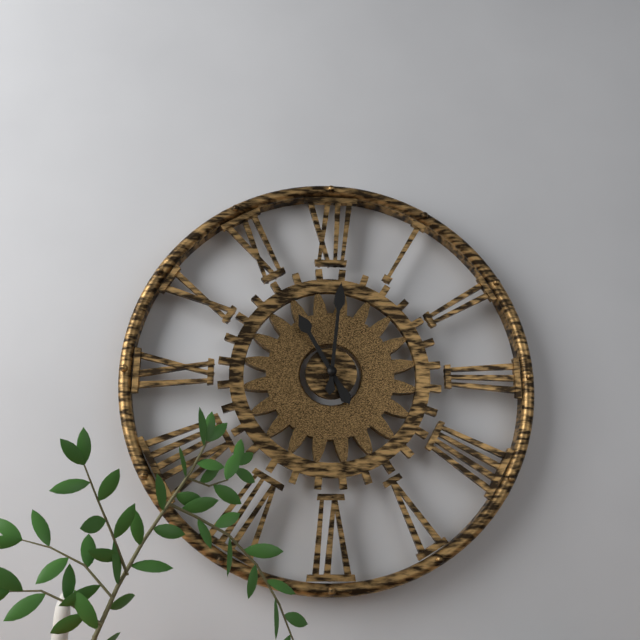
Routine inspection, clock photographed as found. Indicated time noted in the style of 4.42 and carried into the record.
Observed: 11.01
